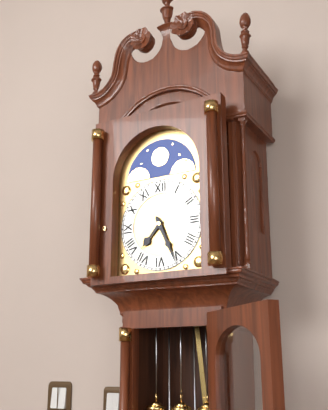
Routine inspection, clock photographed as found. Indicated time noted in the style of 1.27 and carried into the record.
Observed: 7.26
